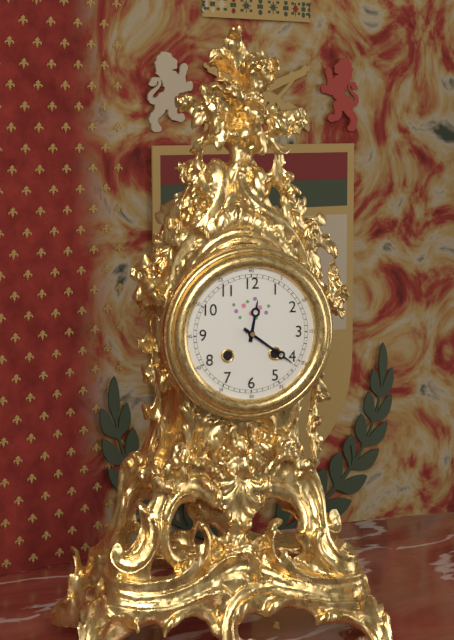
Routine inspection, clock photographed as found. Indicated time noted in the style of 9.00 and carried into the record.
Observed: 12.21
